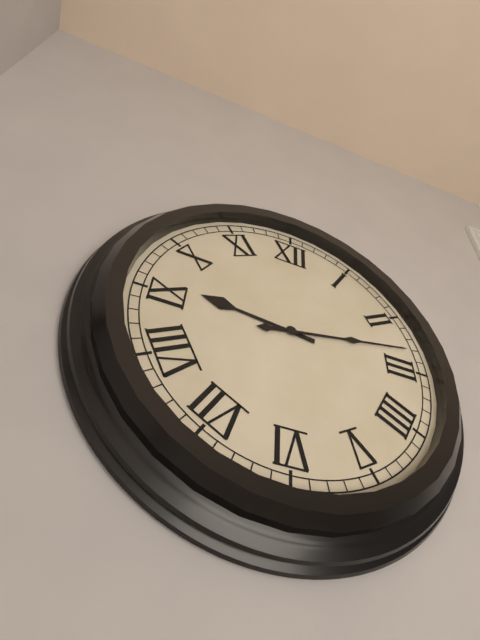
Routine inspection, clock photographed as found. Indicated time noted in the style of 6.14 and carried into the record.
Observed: 9.13
